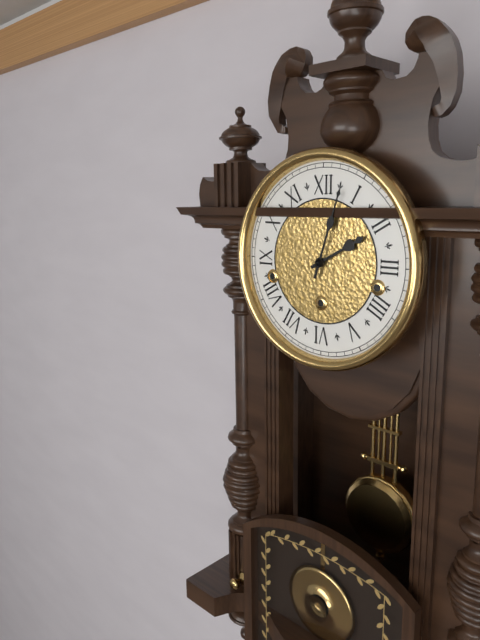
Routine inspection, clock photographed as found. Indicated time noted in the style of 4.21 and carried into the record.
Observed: 2.03
